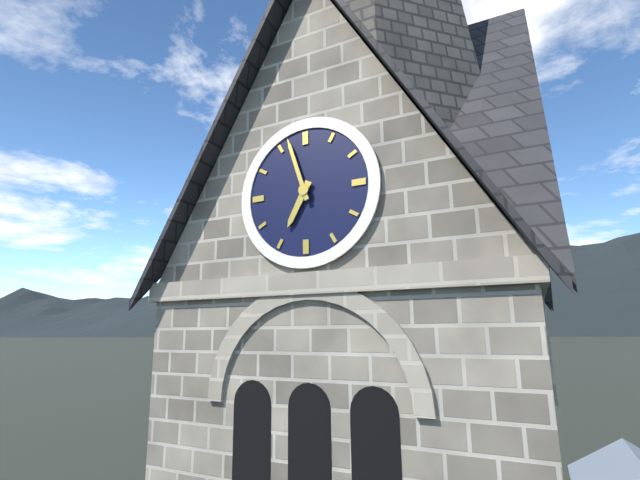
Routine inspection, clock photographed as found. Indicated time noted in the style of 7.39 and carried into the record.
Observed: 6.57
